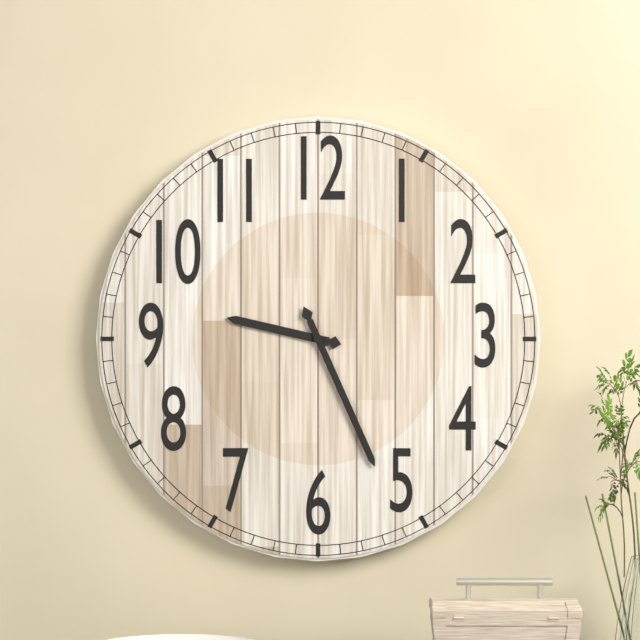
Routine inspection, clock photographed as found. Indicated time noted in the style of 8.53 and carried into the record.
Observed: 9.26
